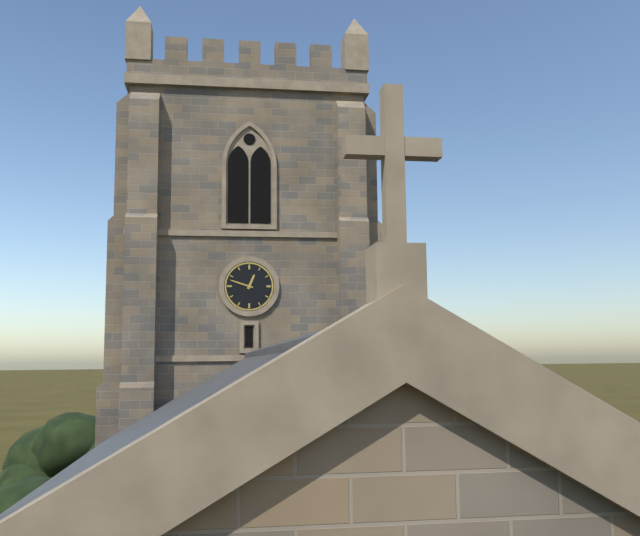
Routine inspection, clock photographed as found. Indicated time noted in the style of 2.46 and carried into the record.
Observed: 12.48
